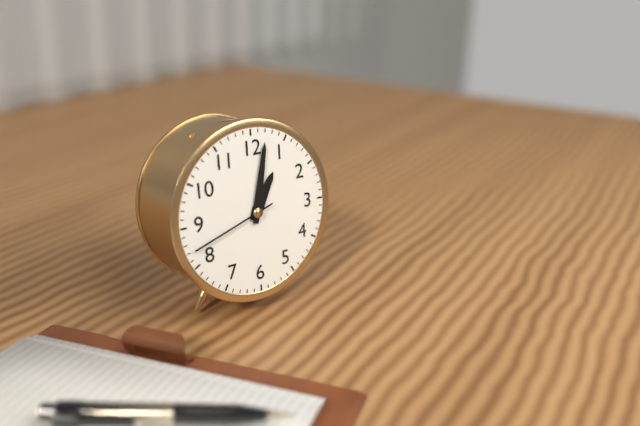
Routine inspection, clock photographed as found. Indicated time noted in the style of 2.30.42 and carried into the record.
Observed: 1.02.42
